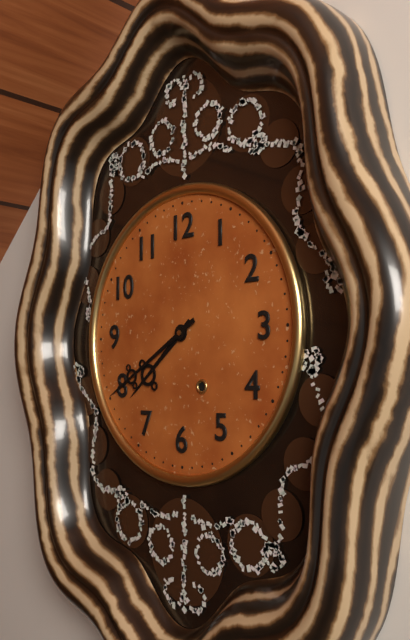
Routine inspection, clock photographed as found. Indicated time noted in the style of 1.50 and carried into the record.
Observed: 7.40
